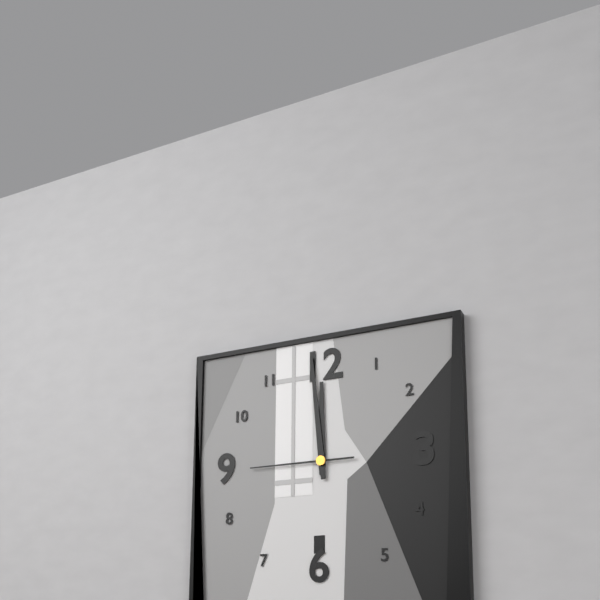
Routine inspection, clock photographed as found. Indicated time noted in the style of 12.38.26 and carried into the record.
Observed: 11.59.45
